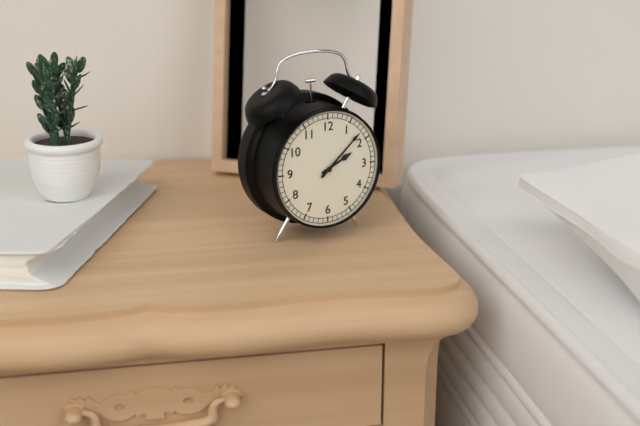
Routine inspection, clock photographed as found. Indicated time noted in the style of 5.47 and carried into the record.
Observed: 2.08
